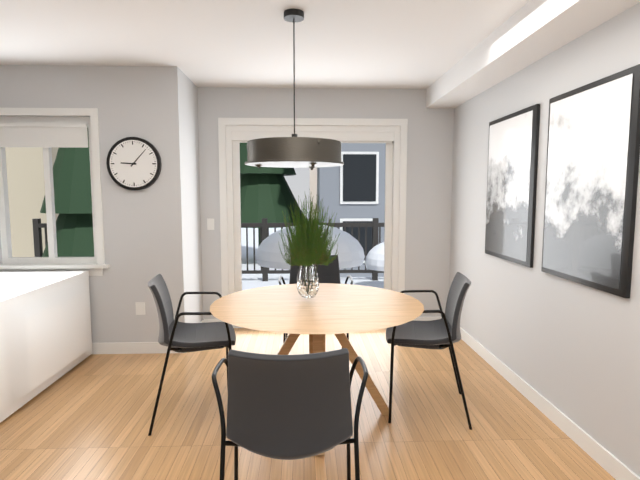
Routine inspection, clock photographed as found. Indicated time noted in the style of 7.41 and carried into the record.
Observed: 9.07
